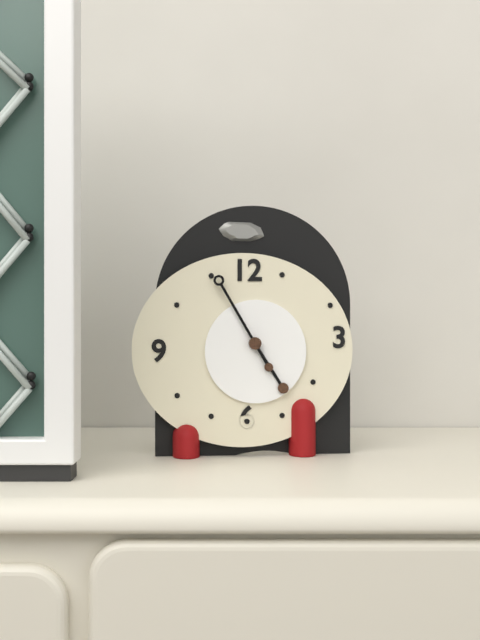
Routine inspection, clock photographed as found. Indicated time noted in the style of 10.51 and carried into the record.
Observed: 4.55
